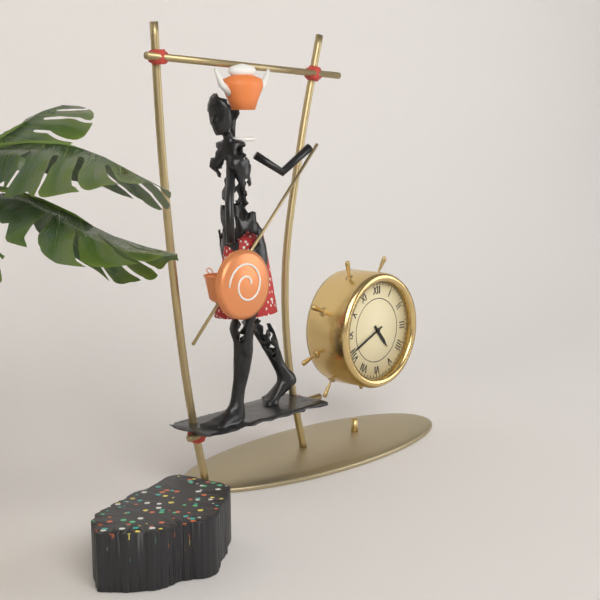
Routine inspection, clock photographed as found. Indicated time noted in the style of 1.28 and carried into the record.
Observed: 4.41
